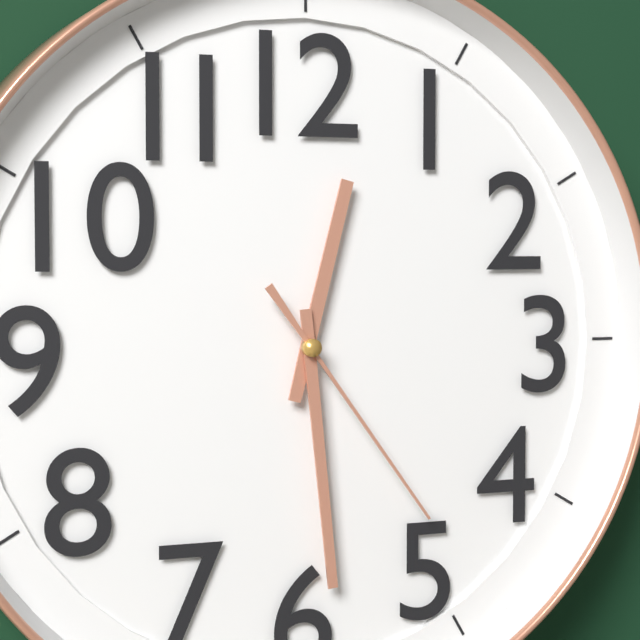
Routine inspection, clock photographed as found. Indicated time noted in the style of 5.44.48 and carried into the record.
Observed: 12.29.24
